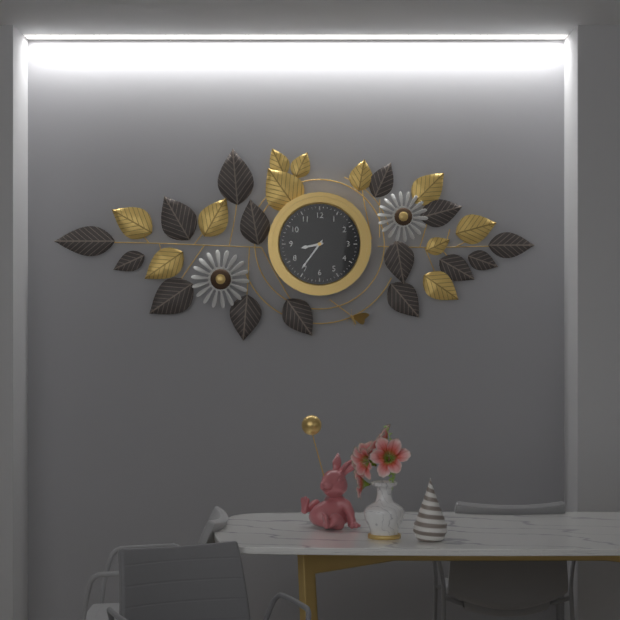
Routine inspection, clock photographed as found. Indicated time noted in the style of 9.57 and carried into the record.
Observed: 8.36
